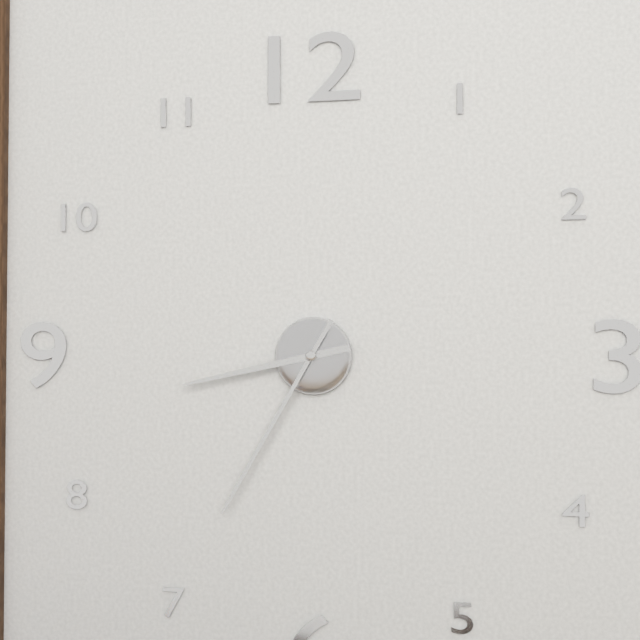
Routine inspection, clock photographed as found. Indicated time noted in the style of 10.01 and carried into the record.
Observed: 8.35
